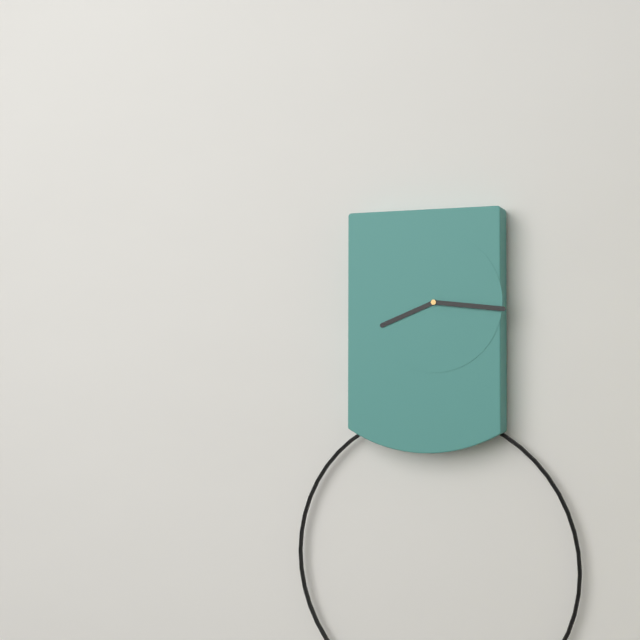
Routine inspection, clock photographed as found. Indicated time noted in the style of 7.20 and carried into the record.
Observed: 8.16
